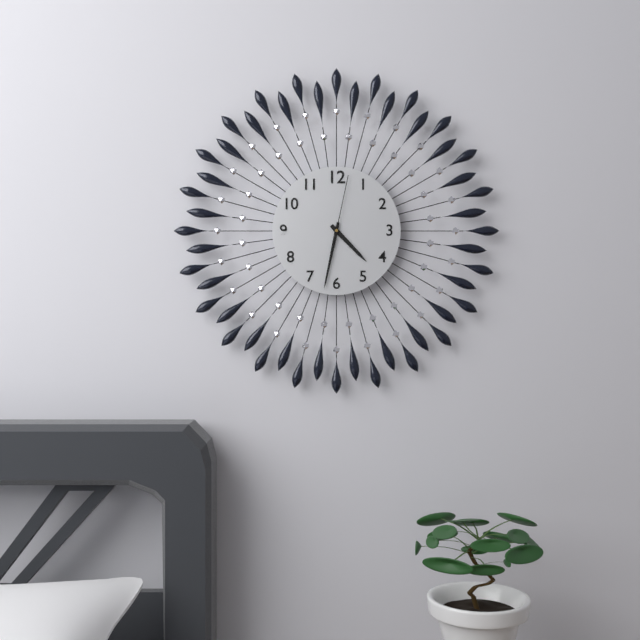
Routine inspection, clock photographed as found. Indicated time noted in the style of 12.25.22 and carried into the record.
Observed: 4.32.02
